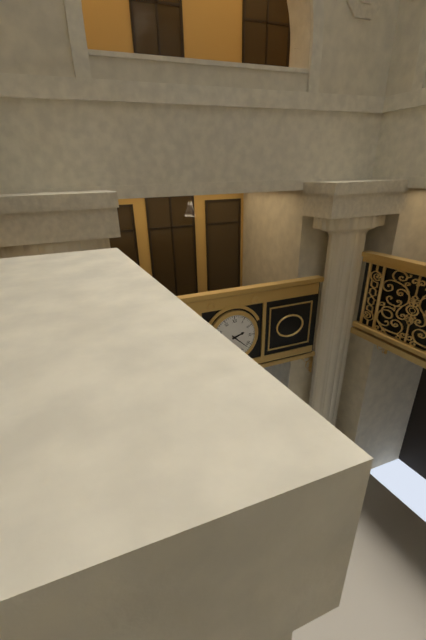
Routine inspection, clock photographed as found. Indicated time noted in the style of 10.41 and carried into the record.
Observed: 2.22
